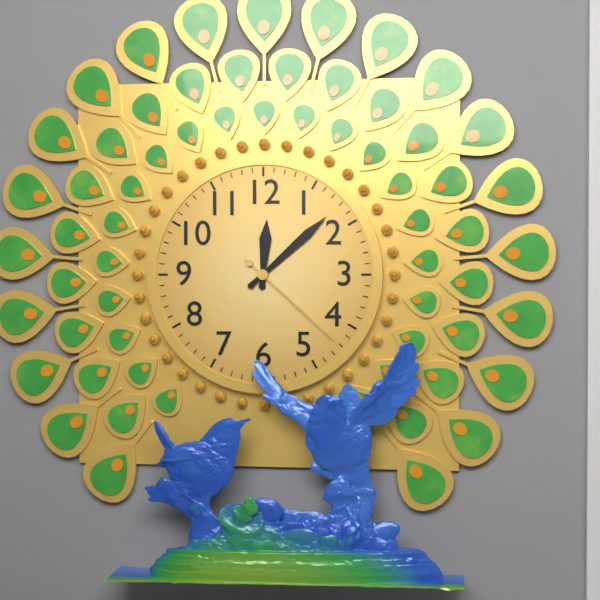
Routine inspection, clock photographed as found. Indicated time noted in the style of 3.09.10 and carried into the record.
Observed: 12.08.22
